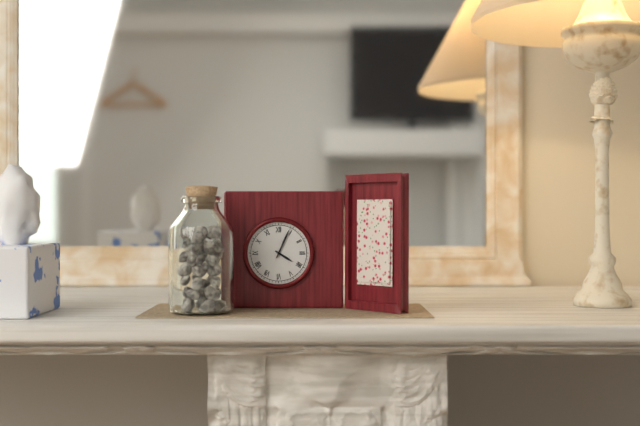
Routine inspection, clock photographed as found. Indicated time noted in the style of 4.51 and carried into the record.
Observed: 4.04
